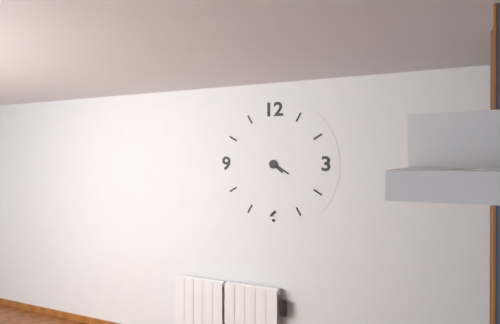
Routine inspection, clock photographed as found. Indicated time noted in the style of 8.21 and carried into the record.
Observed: 4.20
